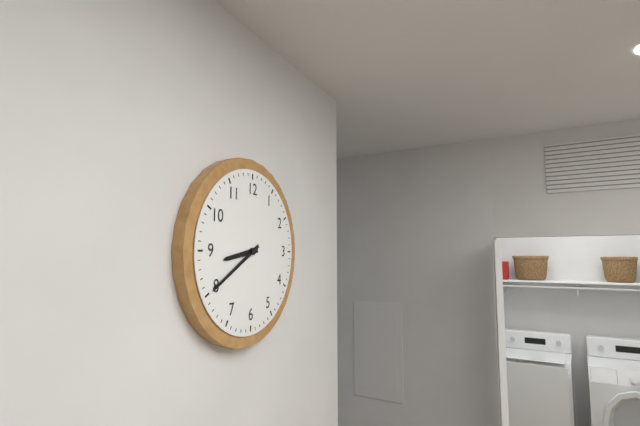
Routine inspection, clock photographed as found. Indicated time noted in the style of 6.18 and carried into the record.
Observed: 8.40
